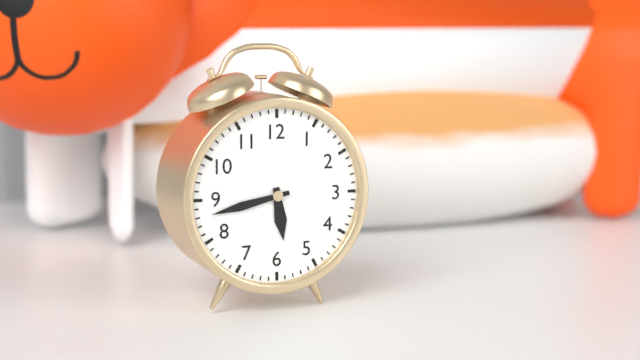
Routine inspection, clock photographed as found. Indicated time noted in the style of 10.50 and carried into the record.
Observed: 5.43
